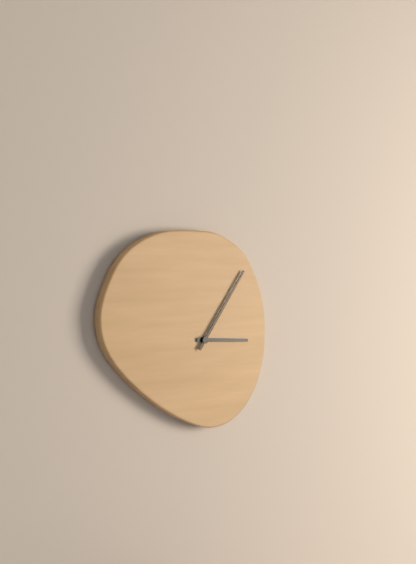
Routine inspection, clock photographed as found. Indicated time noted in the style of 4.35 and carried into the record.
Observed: 3.06
